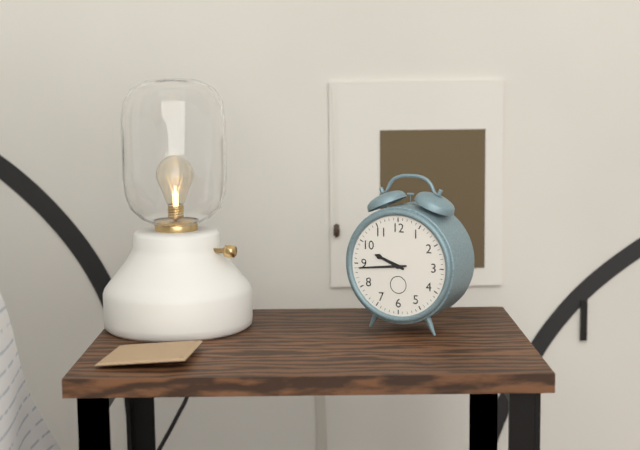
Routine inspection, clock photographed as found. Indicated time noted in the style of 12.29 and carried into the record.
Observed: 9.44
